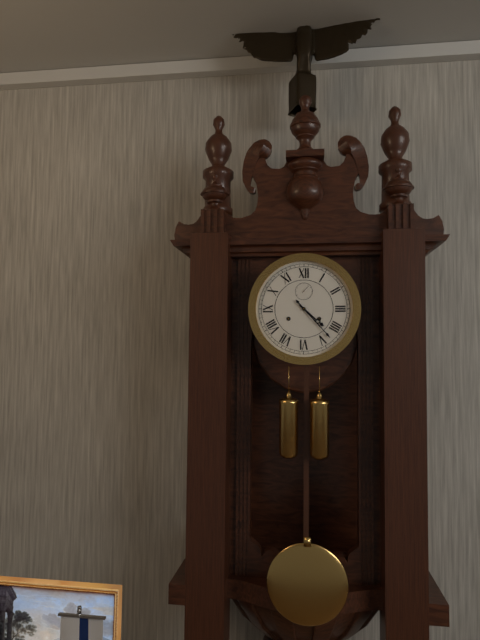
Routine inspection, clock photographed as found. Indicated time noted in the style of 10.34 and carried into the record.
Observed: 4.23
